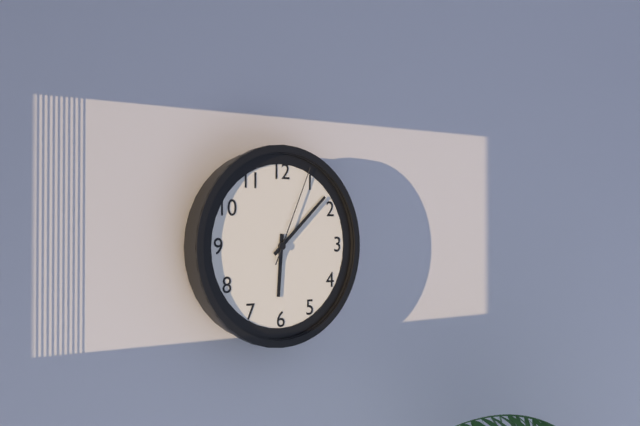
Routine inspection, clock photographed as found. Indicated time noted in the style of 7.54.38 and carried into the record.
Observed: 6.08.04
